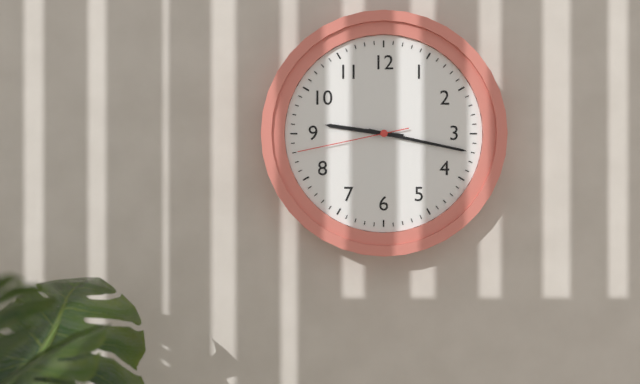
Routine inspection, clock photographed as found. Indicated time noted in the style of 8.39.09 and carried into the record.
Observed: 9.17.43
